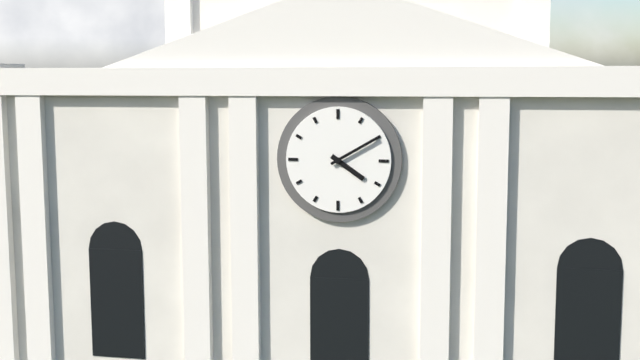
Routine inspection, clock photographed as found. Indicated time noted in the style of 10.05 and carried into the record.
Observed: 4.10
